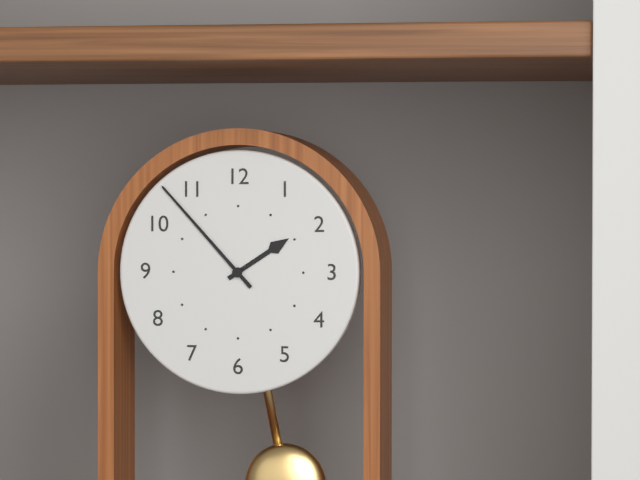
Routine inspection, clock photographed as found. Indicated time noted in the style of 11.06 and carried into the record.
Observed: 1.53
